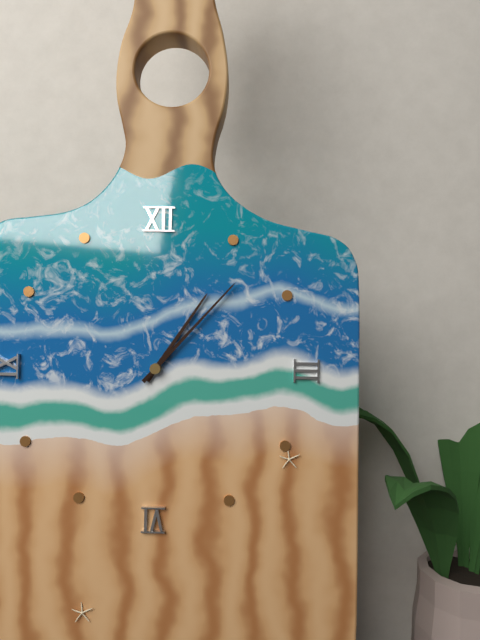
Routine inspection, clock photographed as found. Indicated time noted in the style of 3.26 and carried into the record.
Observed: 1.07
